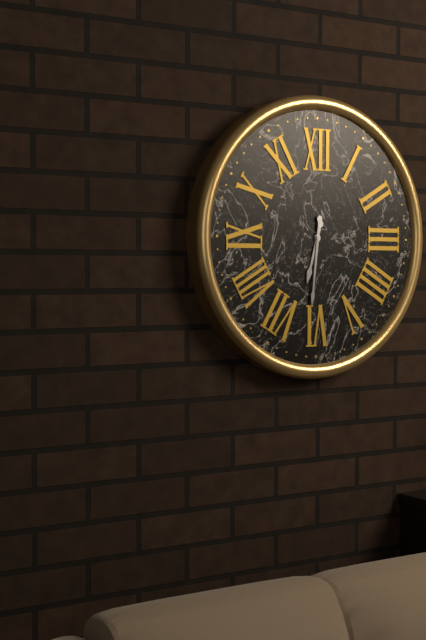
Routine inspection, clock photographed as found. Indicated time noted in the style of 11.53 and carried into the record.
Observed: 6.31
